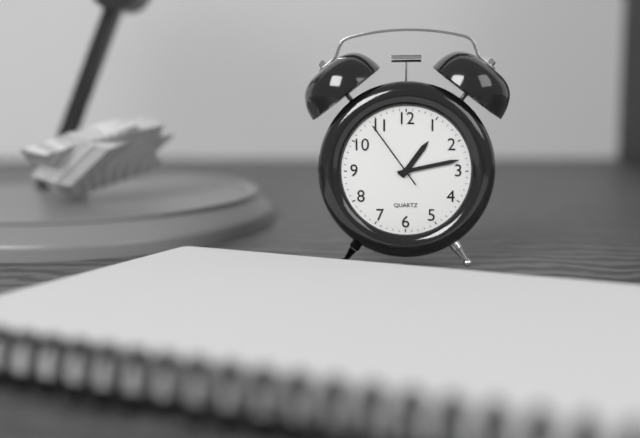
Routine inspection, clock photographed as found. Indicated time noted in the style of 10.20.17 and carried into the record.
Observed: 1.13.54
